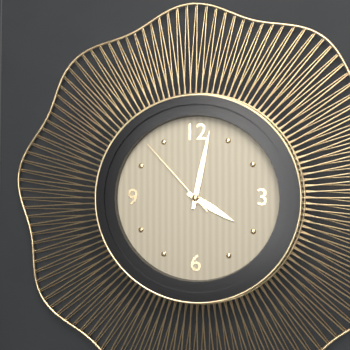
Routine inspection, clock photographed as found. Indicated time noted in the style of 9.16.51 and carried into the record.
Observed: 4.02.53
